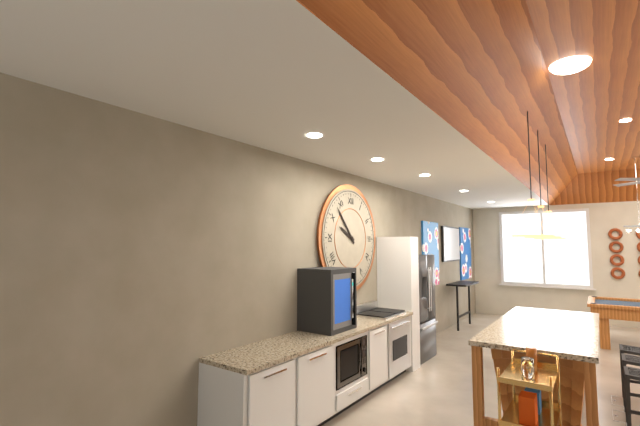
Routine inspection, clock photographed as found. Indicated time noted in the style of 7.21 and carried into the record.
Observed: 9.53
